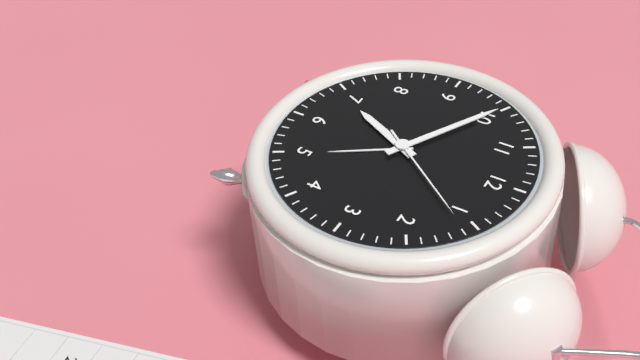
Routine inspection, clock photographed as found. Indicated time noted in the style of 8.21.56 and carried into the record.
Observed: 6.50.06
